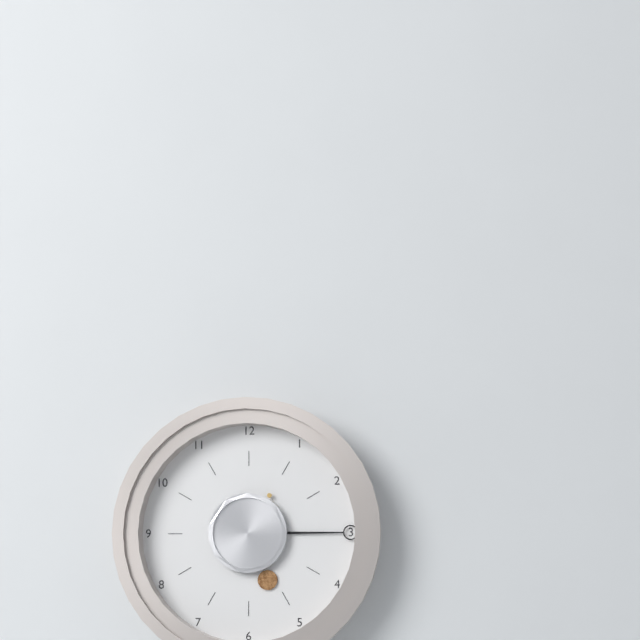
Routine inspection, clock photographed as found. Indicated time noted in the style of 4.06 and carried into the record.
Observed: 5.15
